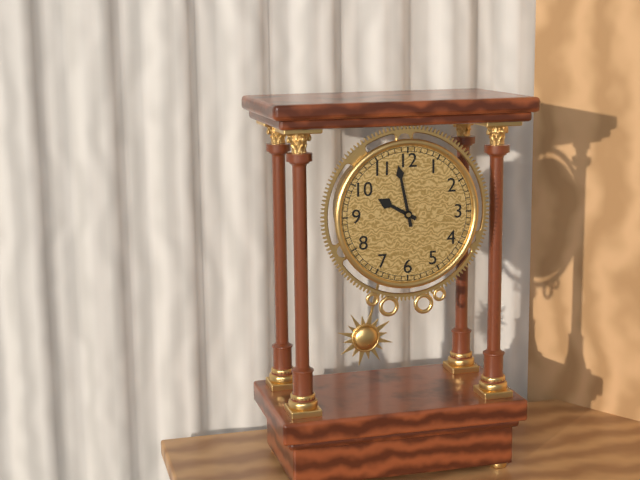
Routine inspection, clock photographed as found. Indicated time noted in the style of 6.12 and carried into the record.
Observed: 9.58
